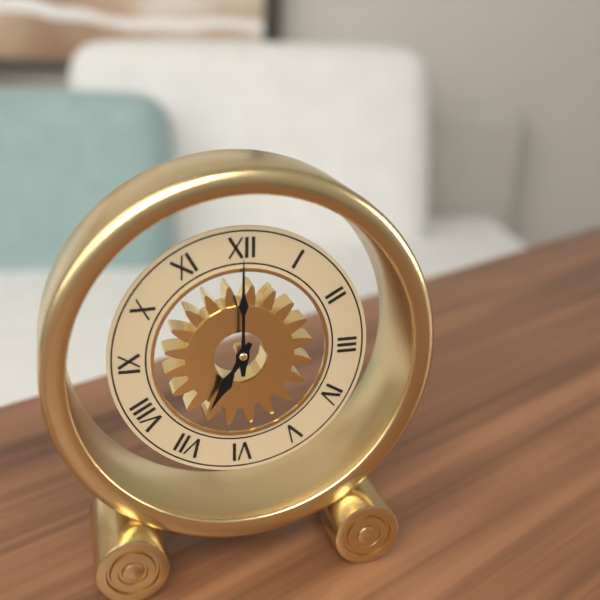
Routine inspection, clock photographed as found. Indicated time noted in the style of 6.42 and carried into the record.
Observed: 7.00
